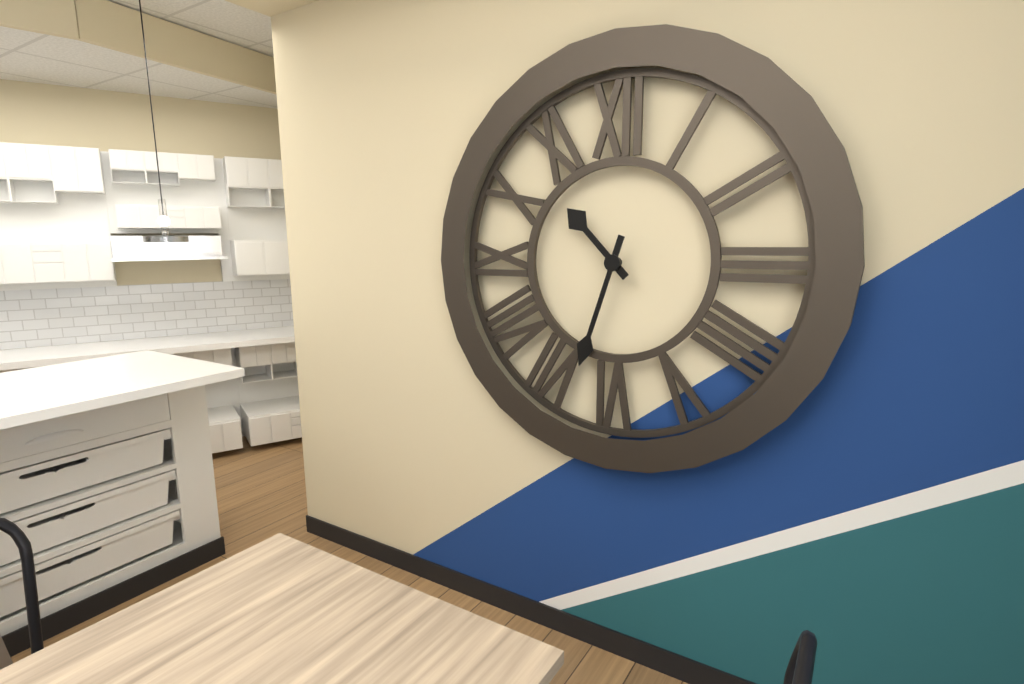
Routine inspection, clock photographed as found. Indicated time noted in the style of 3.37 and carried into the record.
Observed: 10.33
